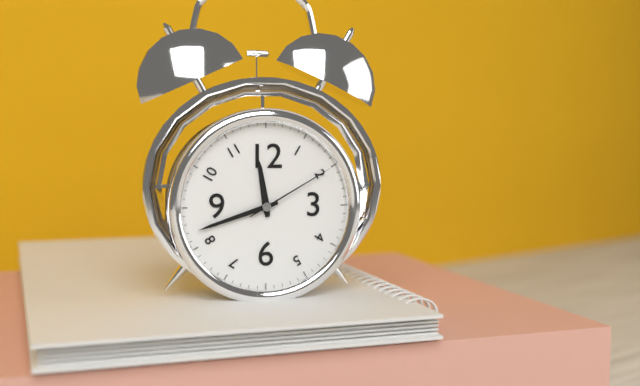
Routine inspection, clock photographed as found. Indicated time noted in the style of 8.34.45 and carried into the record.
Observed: 11.42.10
